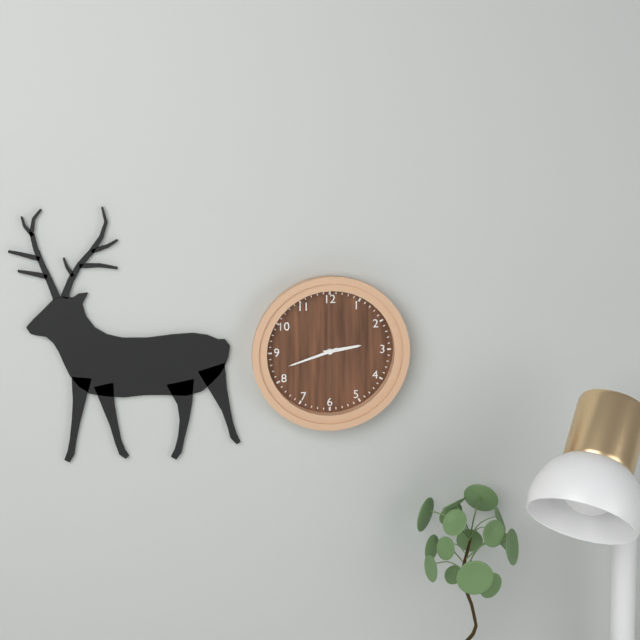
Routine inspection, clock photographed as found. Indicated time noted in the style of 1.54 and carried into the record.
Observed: 2.42
